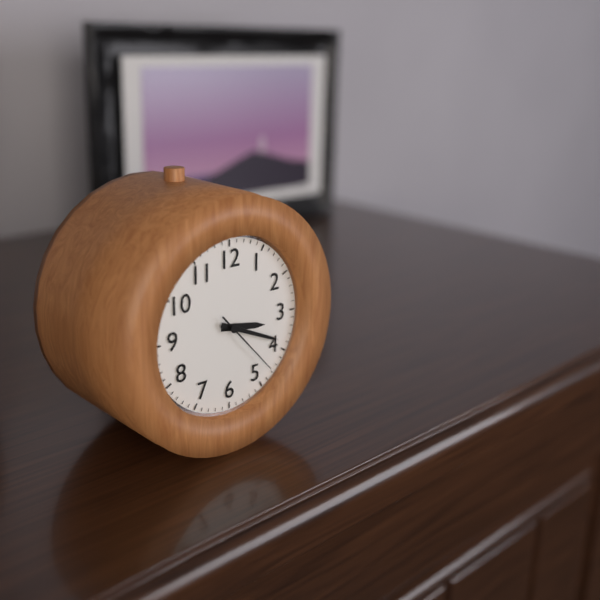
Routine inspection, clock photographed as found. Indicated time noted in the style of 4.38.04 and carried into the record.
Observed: 3.19.23
